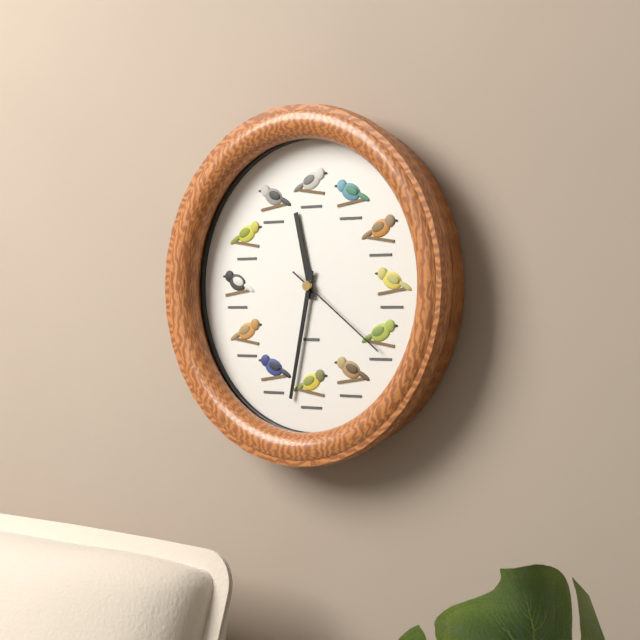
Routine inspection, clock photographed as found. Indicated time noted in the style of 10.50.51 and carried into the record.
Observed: 11.32.21
